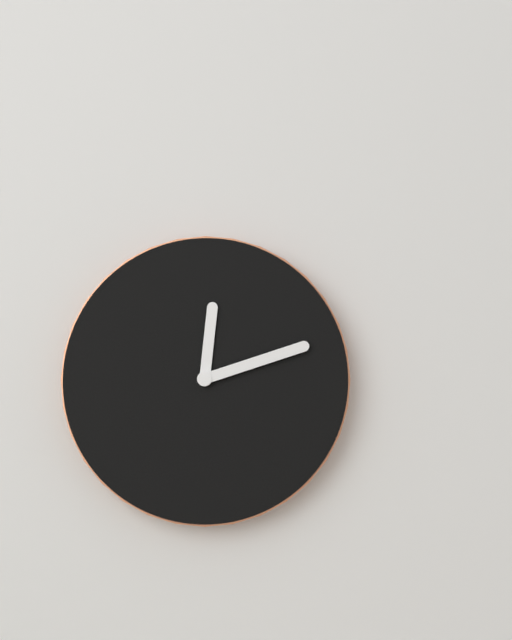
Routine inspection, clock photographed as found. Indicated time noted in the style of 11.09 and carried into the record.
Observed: 12.12
